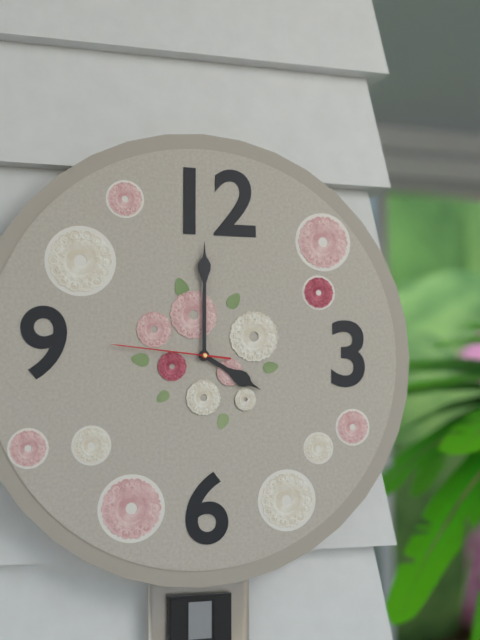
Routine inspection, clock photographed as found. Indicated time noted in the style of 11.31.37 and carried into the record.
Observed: 4.00.46
